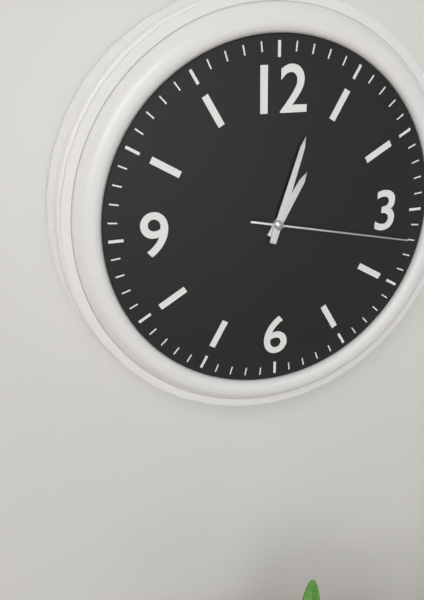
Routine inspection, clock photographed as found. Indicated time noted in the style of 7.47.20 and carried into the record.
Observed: 1.03.17
